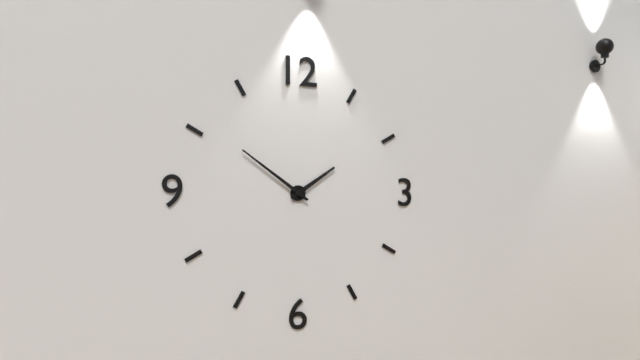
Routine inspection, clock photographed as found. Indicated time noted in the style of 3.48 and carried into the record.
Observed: 1.51
